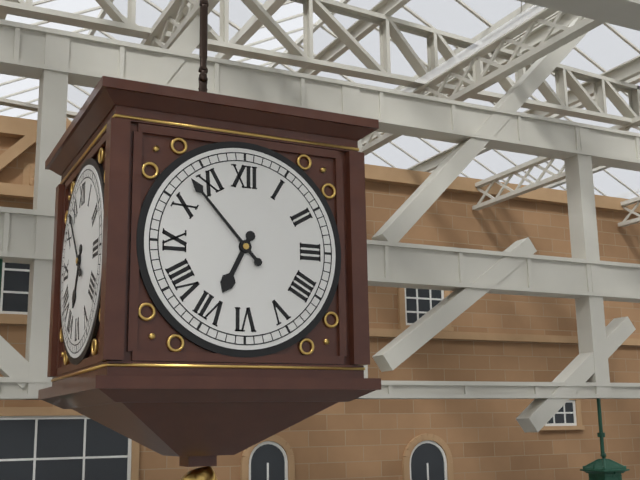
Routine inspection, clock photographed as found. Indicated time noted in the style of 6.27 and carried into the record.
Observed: 6.53
